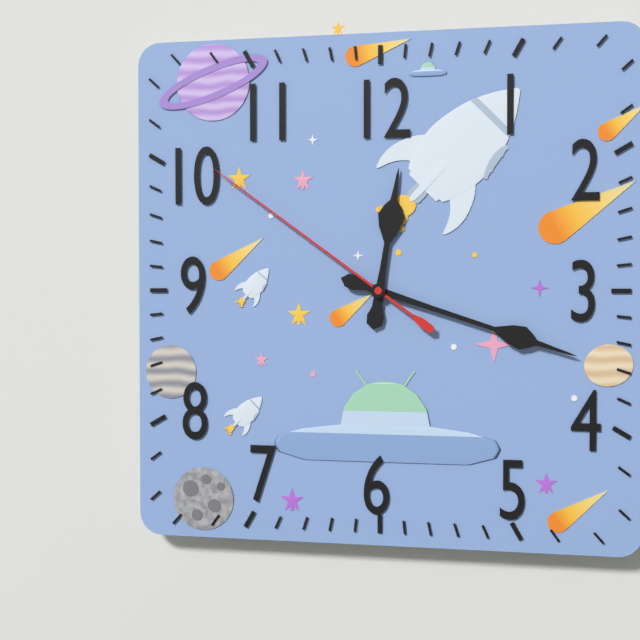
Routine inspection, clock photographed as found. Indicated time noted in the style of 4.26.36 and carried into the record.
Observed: 12.18.51
